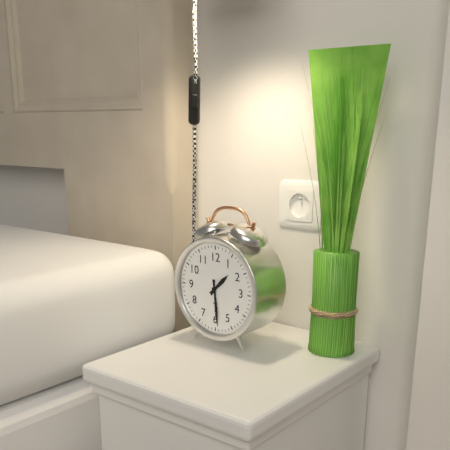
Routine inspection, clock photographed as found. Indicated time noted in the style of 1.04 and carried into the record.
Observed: 1.29
